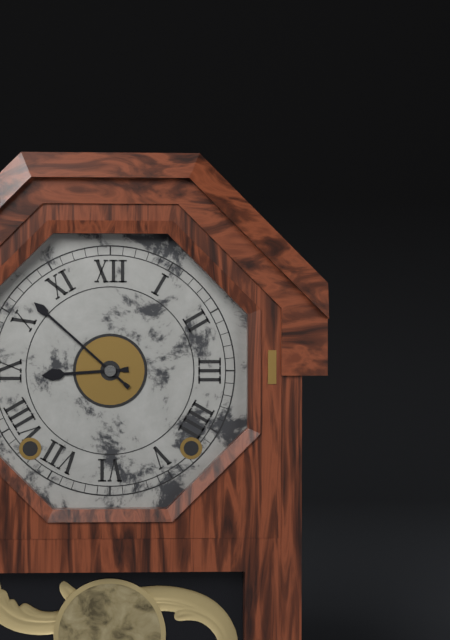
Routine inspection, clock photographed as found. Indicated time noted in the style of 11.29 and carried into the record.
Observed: 8.52
